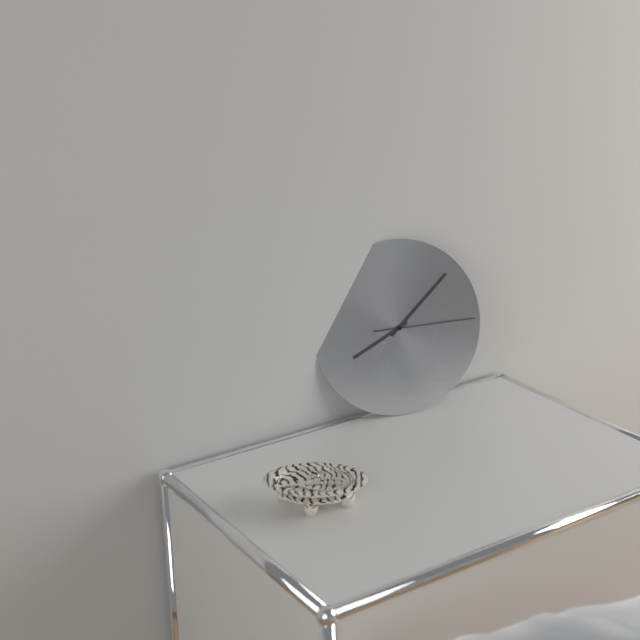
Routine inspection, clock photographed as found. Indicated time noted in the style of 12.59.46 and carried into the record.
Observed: 8.08.15
